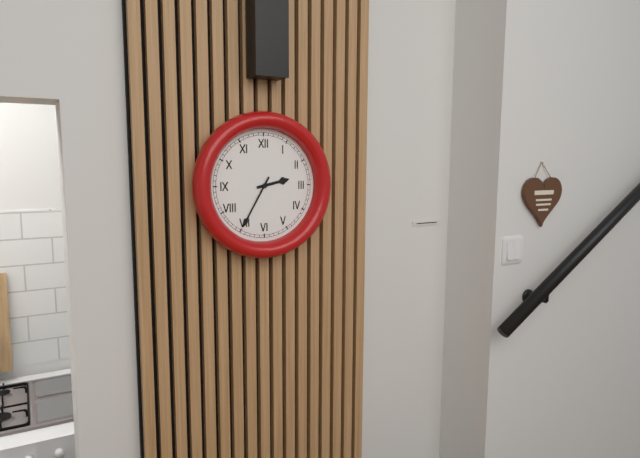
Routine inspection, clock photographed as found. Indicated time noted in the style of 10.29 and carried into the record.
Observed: 2.35
